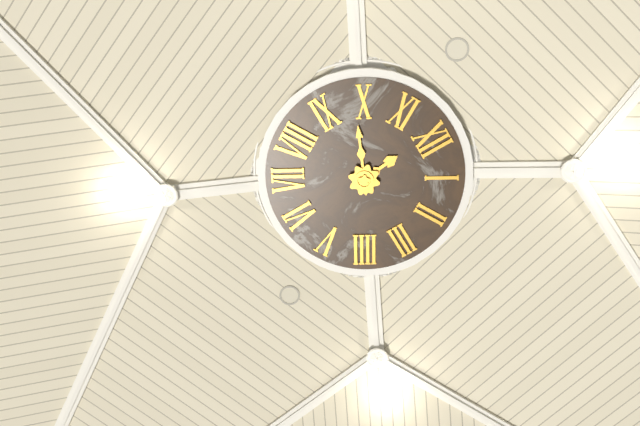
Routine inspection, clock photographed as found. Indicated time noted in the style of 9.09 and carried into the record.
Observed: 11.49
